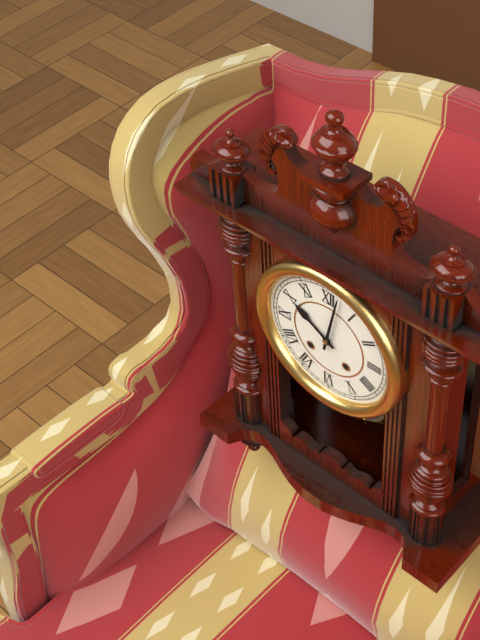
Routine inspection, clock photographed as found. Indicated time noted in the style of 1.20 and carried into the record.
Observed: 10.02
